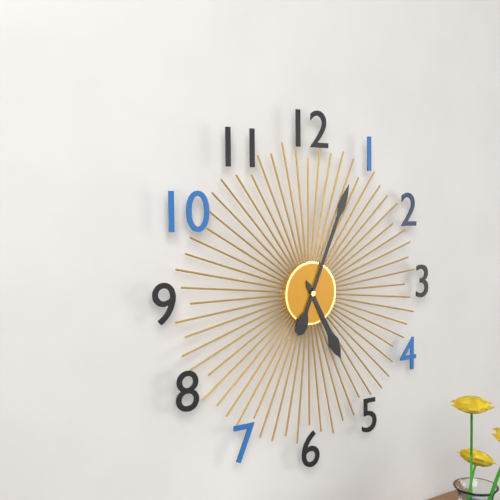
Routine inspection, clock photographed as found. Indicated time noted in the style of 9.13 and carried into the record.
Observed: 5.04
